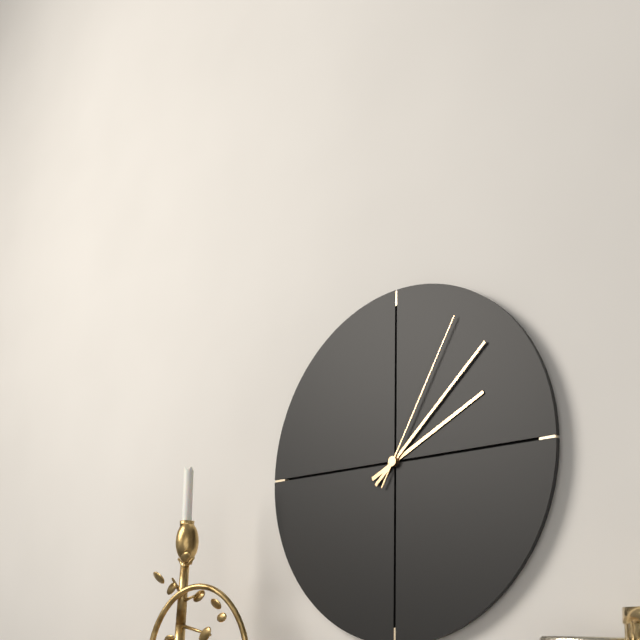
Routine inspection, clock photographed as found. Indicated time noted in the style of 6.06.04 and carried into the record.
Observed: 2.08.05
